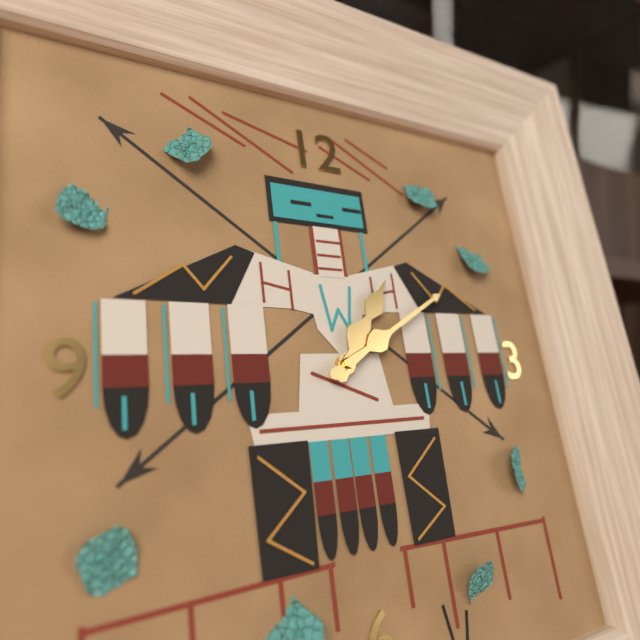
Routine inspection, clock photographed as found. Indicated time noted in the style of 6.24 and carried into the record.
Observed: 1.10
